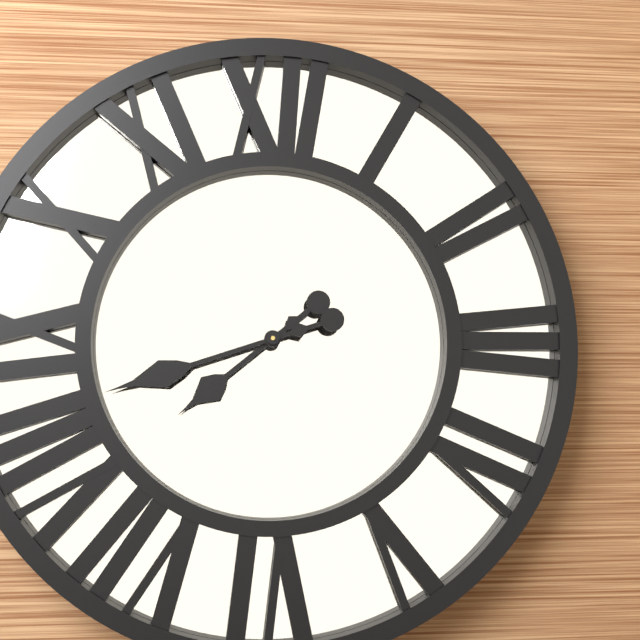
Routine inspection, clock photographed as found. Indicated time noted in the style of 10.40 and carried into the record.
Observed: 7.42
